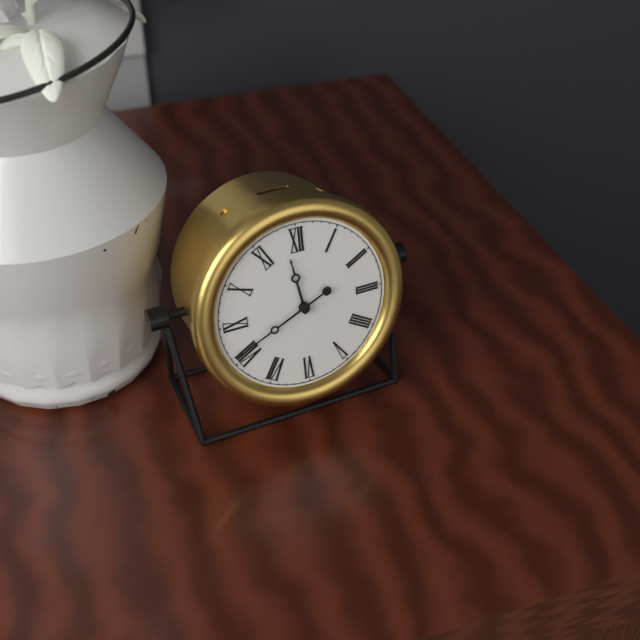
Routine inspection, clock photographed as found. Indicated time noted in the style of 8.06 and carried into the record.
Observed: 11.41
